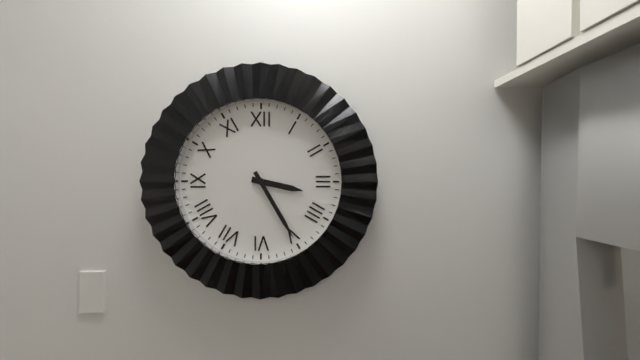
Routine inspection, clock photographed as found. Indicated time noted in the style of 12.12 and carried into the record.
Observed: 3.25
